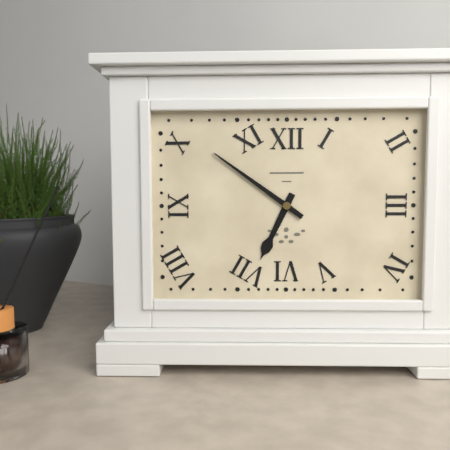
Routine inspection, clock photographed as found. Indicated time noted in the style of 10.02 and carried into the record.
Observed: 6.51
